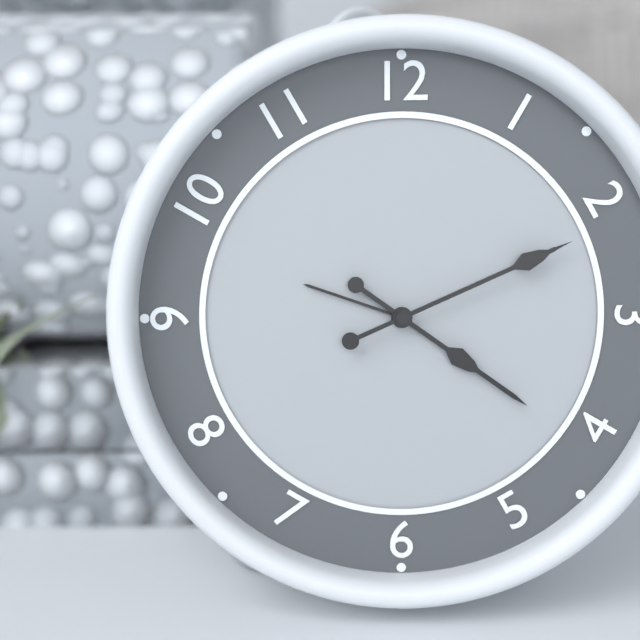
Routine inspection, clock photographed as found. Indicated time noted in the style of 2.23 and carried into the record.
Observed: 4.11
